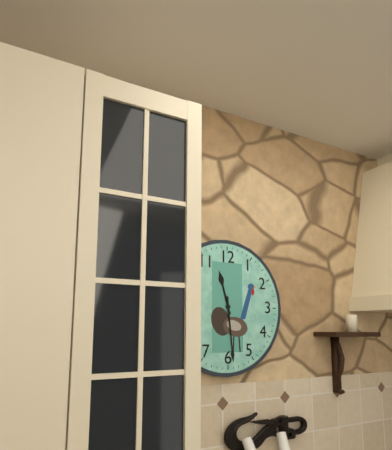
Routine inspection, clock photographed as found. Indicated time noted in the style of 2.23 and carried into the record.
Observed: 11.29
